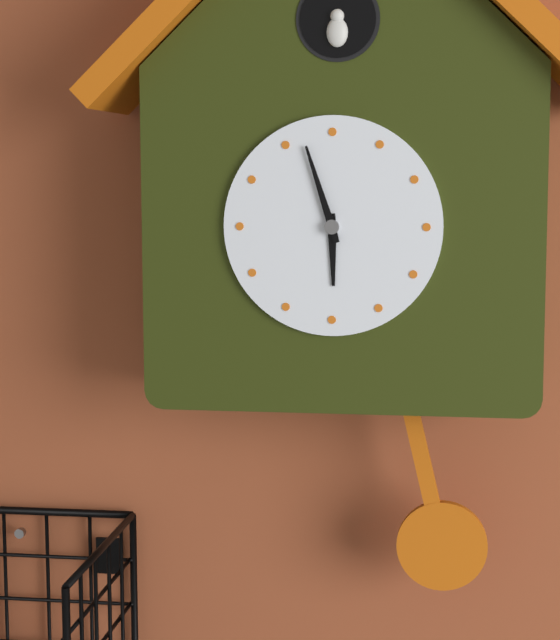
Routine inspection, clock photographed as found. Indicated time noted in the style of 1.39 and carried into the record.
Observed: 5.57
